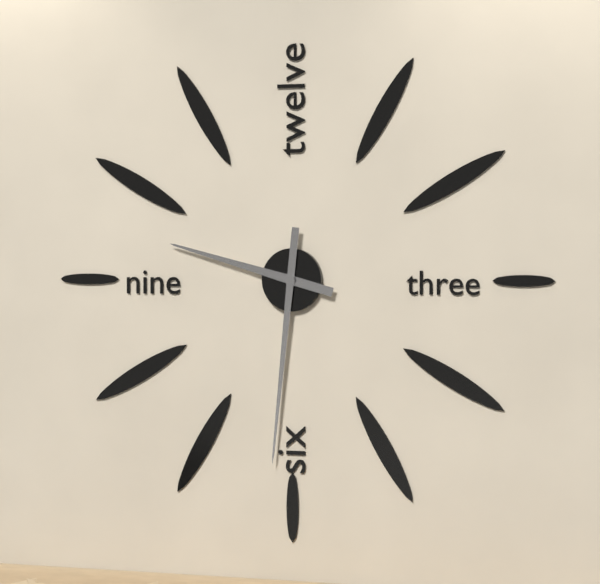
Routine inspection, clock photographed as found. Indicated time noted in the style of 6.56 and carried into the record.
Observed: 9.31
